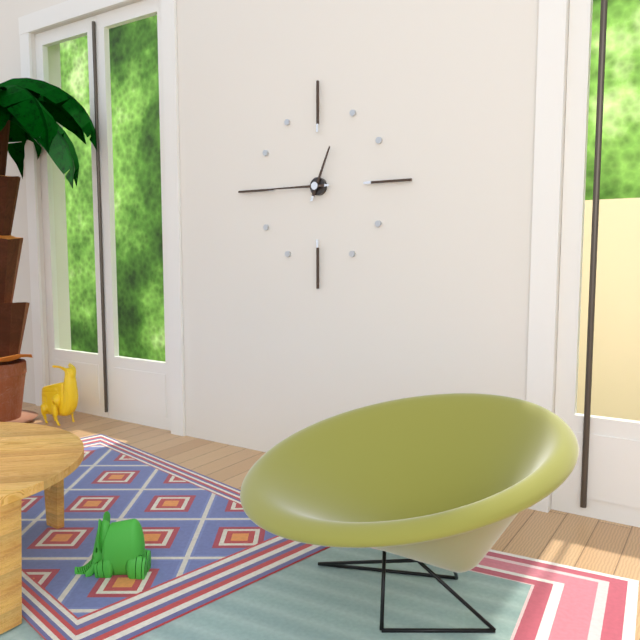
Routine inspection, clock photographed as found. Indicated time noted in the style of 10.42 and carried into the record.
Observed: 12.45
